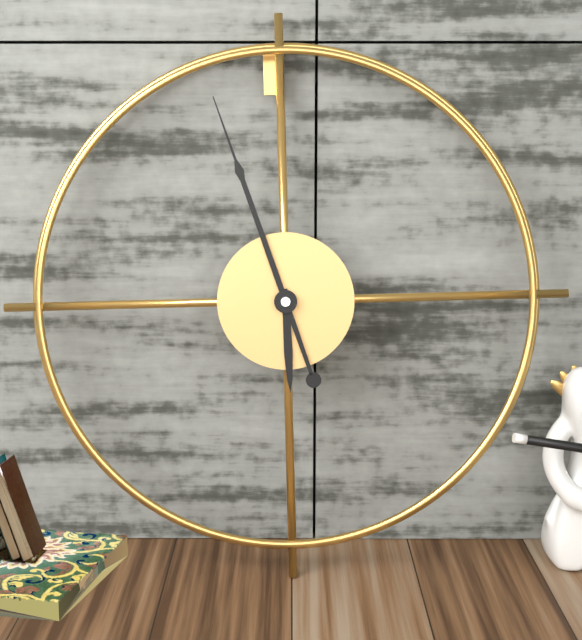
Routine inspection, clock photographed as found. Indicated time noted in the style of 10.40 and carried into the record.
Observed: 5.57
